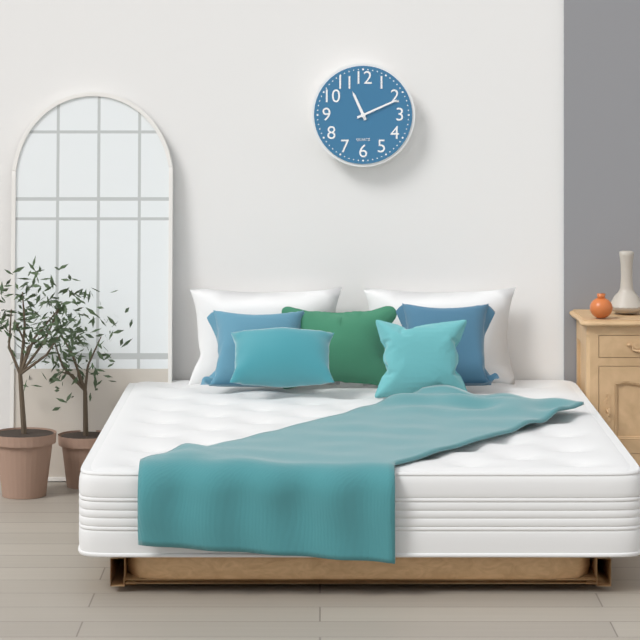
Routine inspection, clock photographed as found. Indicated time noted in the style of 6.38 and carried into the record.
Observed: 11.11
